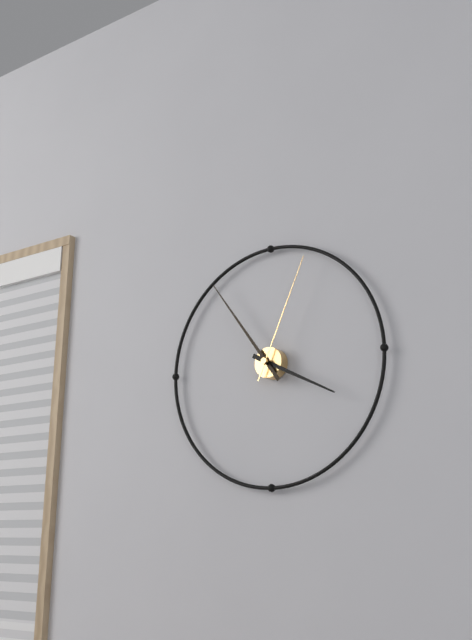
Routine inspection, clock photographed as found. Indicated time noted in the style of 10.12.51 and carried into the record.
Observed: 3.54.04
